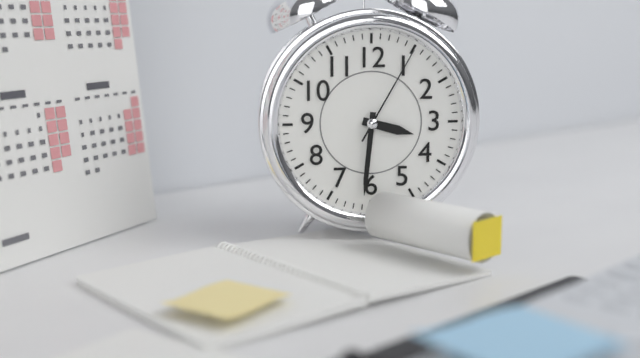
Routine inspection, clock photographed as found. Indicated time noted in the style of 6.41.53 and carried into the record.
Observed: 3.31.05
